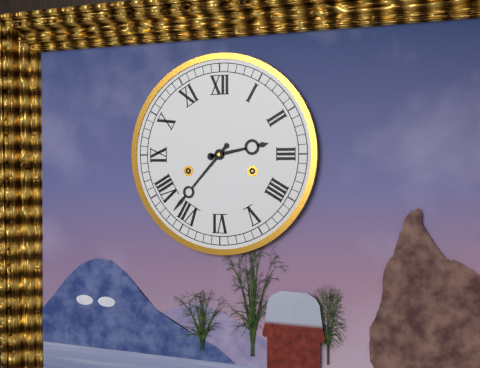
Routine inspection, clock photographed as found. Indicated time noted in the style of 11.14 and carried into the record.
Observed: 2.37
